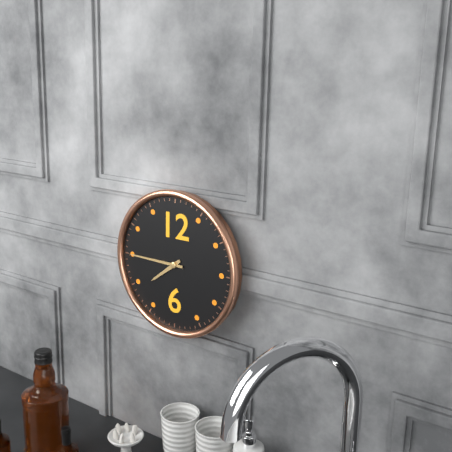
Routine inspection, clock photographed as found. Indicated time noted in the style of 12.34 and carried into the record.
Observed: 7.45
